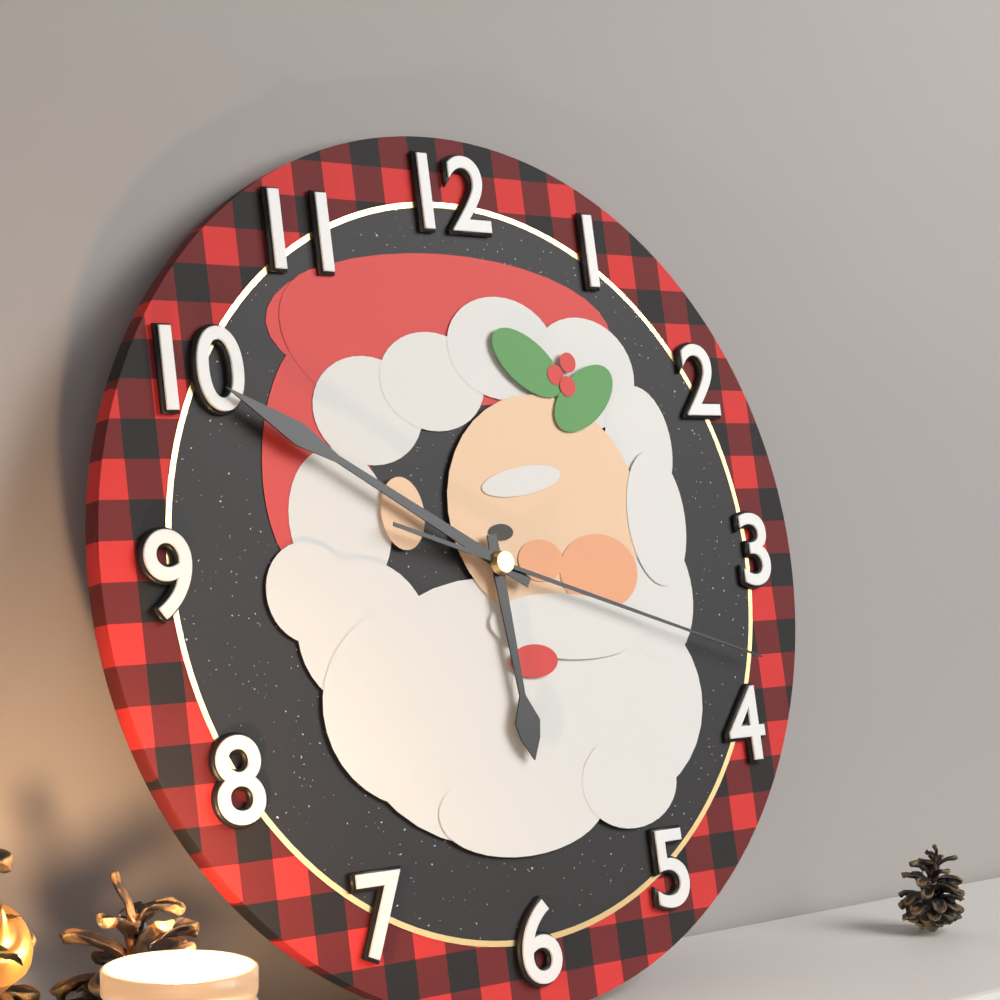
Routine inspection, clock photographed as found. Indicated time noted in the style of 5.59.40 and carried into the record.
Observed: 5.50.18
